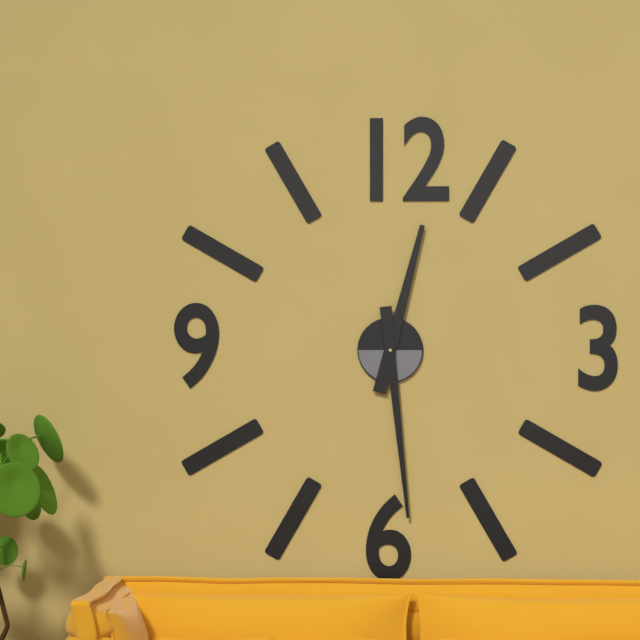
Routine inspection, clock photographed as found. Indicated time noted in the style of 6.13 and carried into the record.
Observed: 12.29
